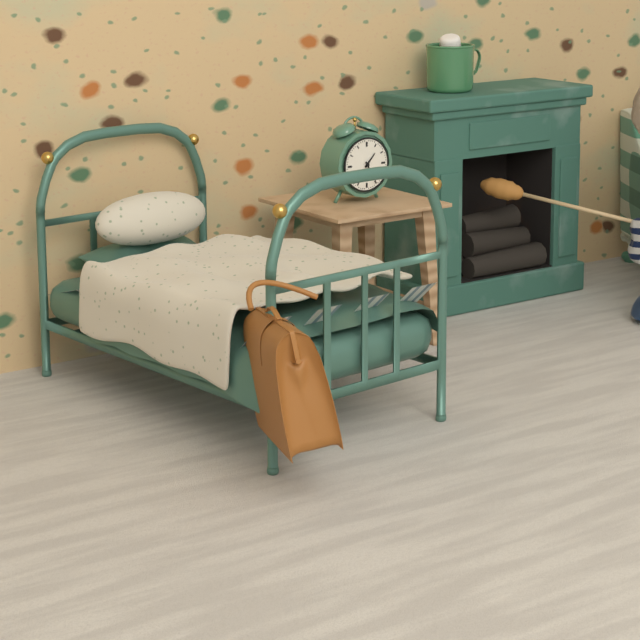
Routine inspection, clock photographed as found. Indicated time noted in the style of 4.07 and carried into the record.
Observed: 1.25
